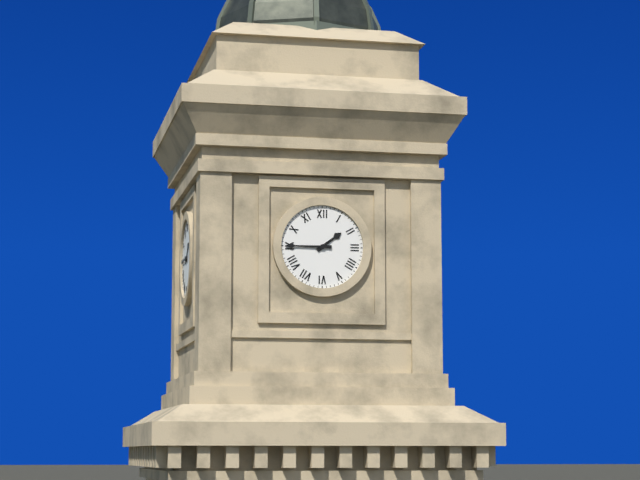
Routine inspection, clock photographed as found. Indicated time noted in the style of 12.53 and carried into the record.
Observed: 1.45
